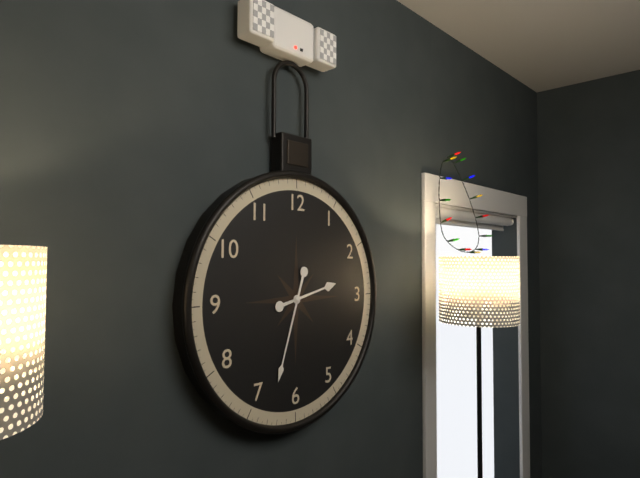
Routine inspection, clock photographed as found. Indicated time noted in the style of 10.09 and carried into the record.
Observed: 2.33
